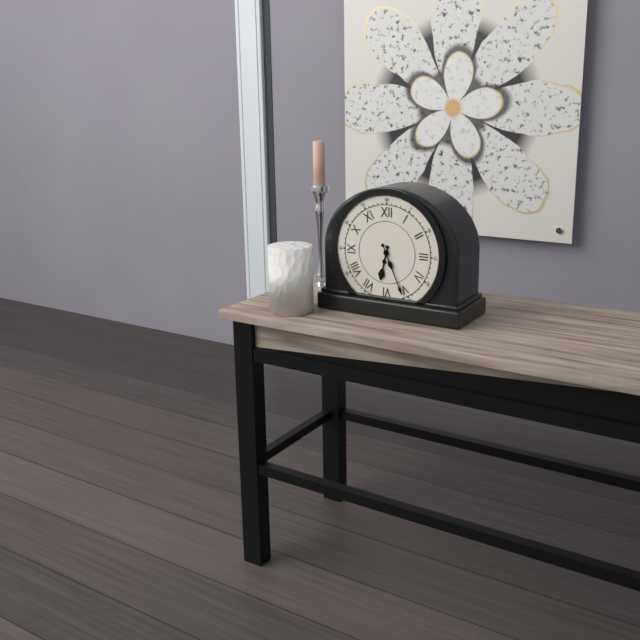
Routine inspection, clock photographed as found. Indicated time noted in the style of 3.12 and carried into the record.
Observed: 6.26
